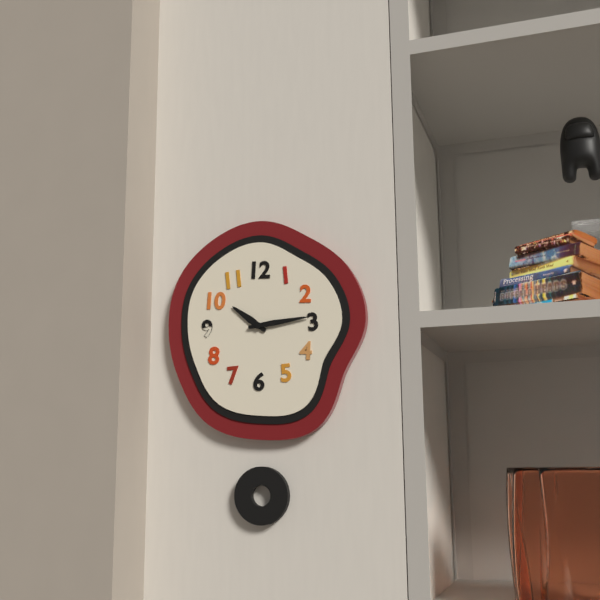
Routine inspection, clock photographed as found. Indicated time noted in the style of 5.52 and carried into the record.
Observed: 10.14
